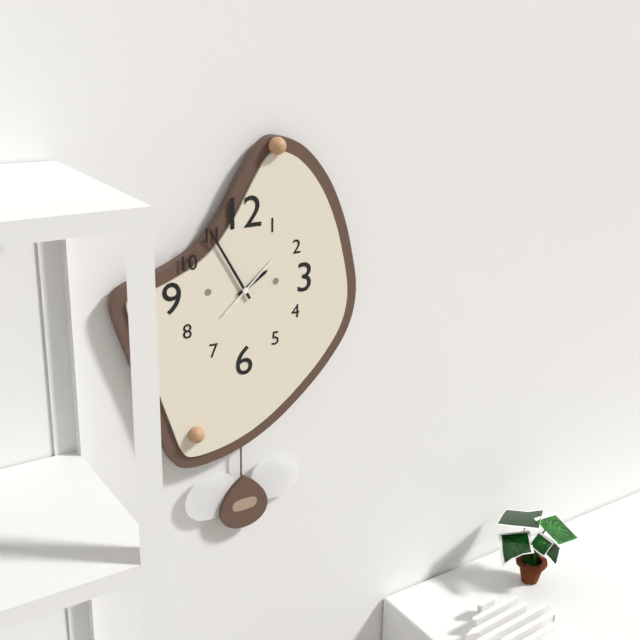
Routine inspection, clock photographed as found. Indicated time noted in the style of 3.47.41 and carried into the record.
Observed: 1.55.08
